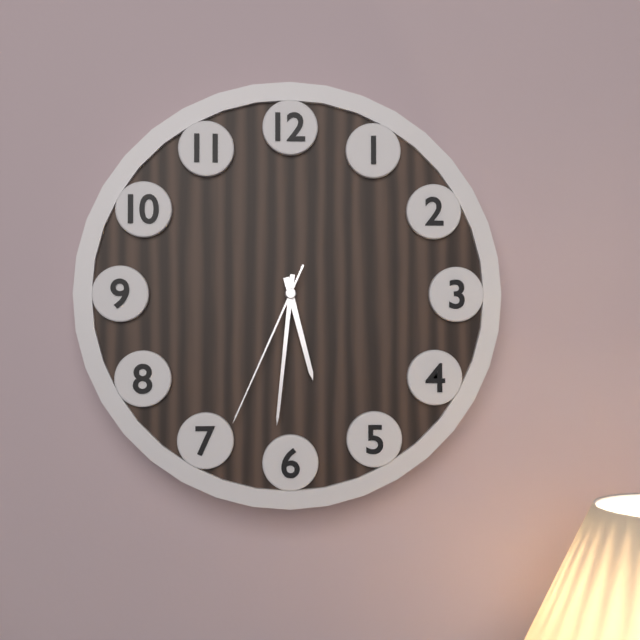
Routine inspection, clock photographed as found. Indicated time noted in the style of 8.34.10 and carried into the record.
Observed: 5.31.34
